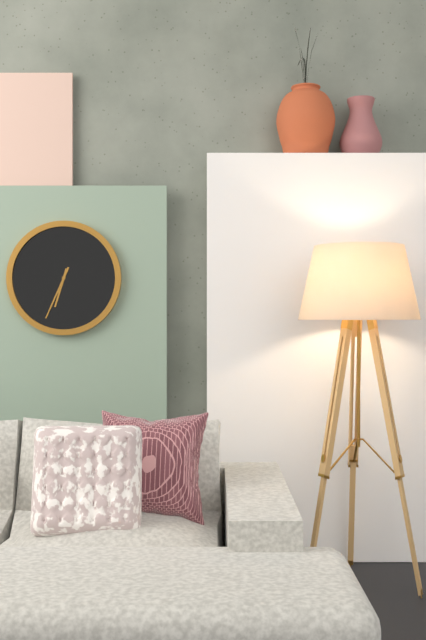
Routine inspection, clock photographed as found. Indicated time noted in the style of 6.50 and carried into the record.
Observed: 6.34
